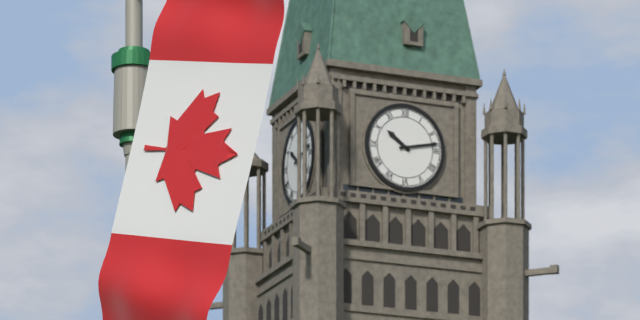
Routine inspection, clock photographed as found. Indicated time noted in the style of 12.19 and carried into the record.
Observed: 10.13
